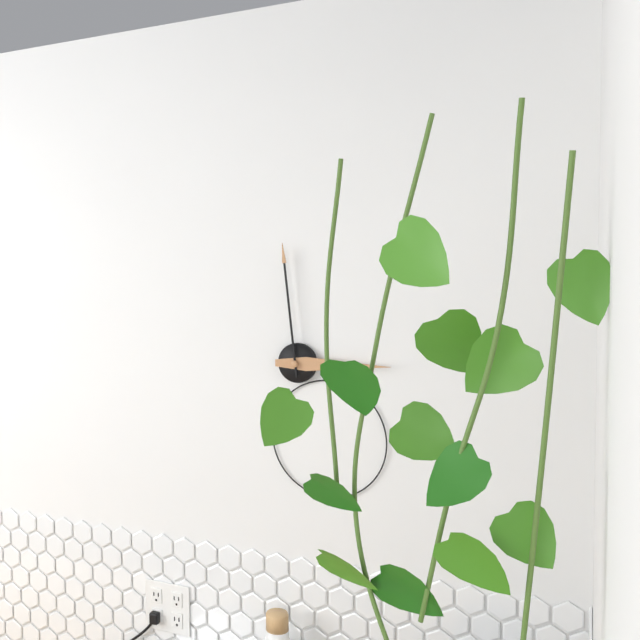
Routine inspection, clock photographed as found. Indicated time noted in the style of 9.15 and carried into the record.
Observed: 2.59
